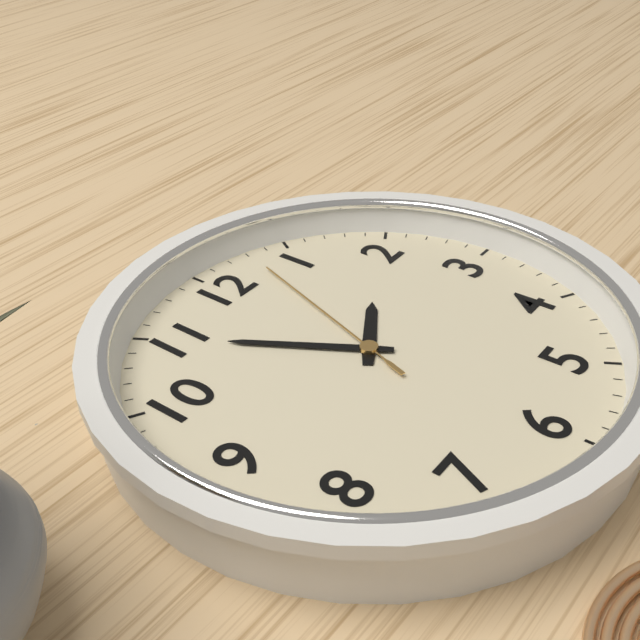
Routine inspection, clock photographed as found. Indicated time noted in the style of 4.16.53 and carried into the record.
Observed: 1.55.03
